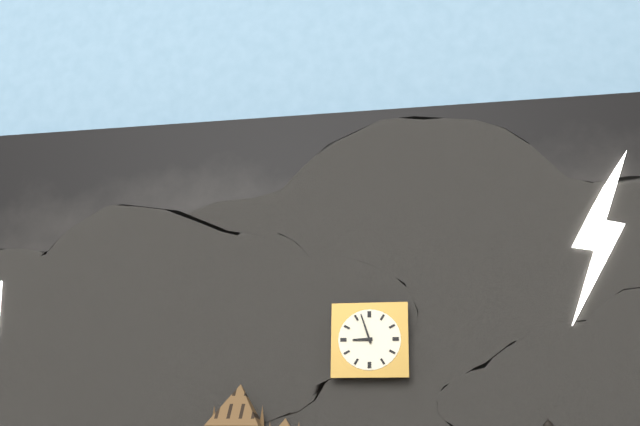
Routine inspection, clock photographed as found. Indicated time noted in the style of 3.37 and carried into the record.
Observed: 8.57
